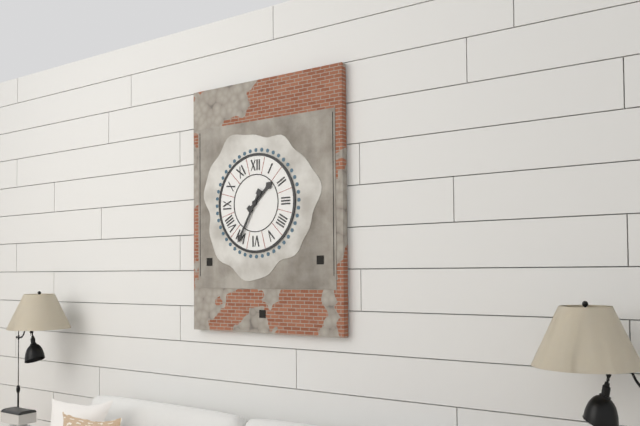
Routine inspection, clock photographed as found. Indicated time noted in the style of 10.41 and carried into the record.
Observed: 1.35
